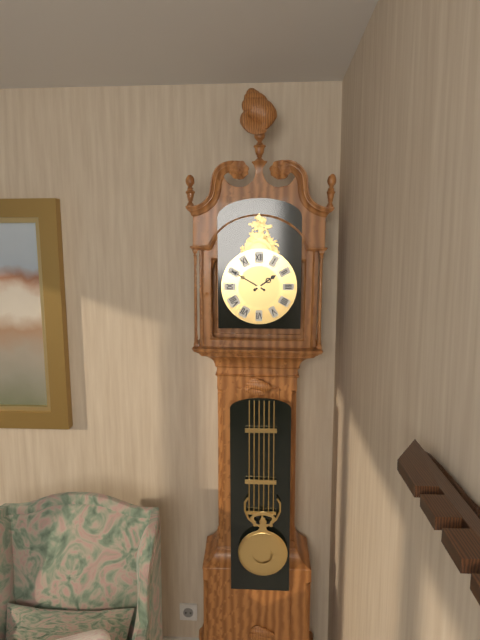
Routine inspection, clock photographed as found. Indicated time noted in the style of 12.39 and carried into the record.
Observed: 1.50
